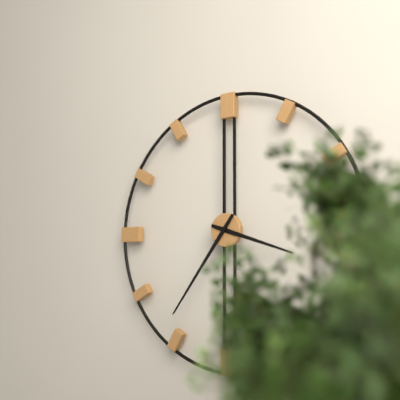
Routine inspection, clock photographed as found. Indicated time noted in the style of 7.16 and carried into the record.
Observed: 3.36
